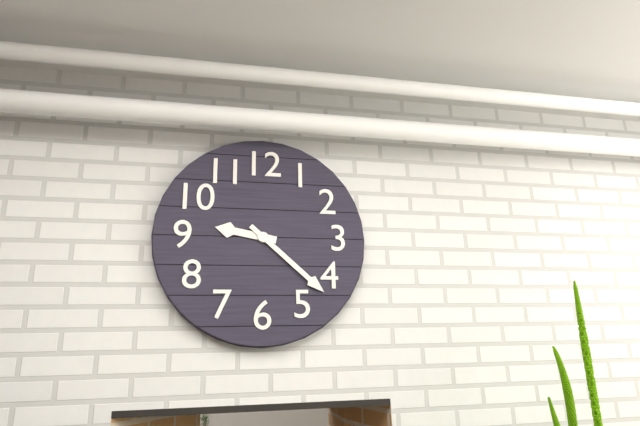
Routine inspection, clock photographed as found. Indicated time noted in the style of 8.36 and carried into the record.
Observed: 9.22
